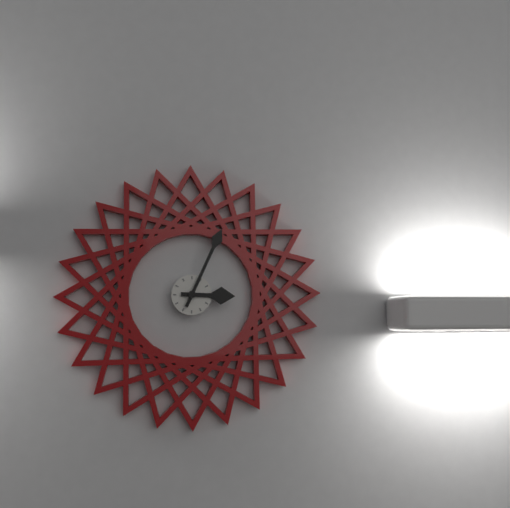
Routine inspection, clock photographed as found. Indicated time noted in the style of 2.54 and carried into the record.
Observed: 3.04
